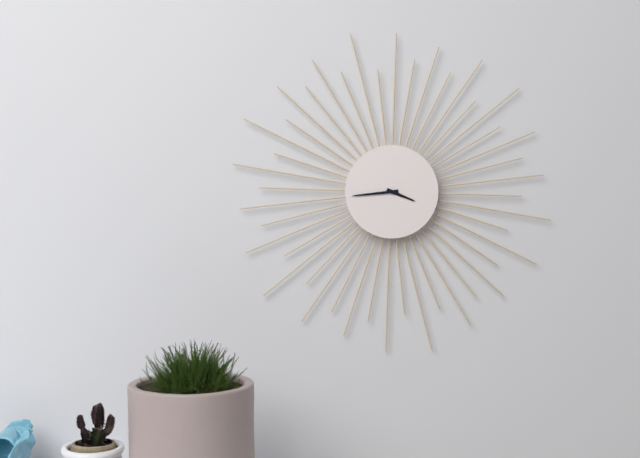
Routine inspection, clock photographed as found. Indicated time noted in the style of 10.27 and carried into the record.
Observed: 3.44
